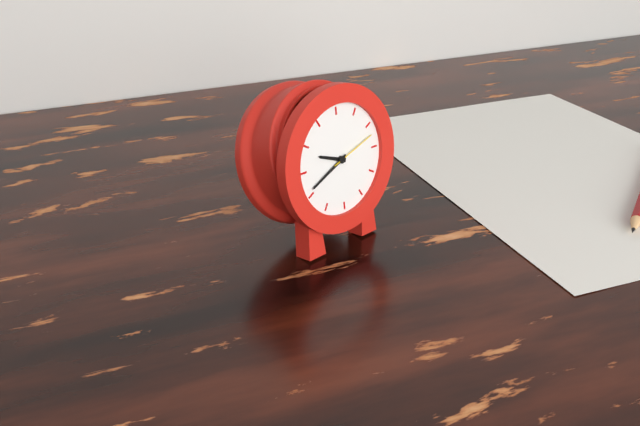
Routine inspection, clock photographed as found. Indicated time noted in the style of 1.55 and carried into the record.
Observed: 9.41
